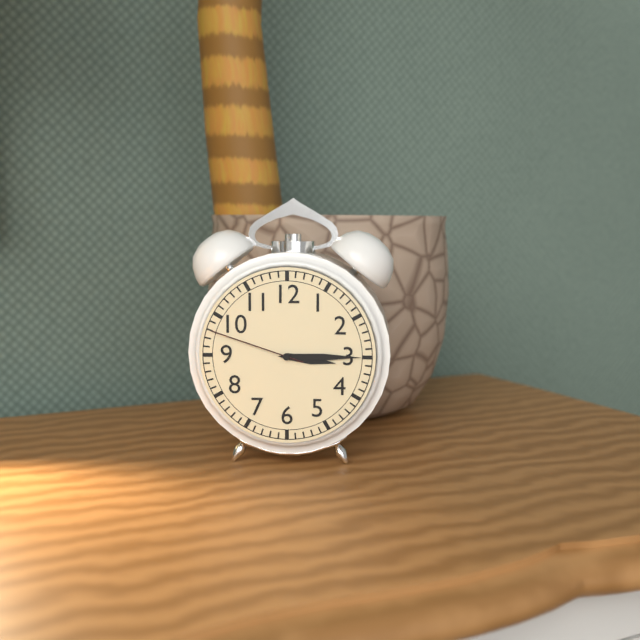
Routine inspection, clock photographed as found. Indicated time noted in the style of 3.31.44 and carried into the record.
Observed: 3.15.48
